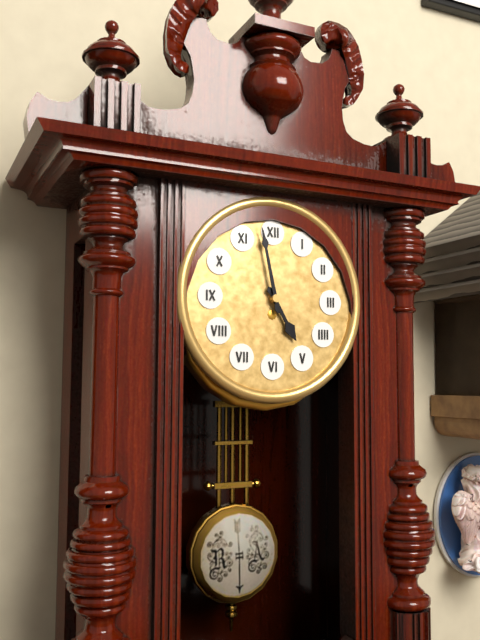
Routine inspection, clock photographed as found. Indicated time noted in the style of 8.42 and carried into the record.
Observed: 4.58
